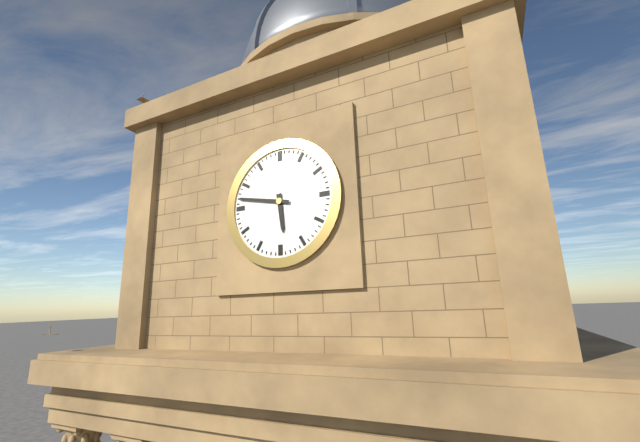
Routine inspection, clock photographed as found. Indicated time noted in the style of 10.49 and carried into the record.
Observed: 5.47
